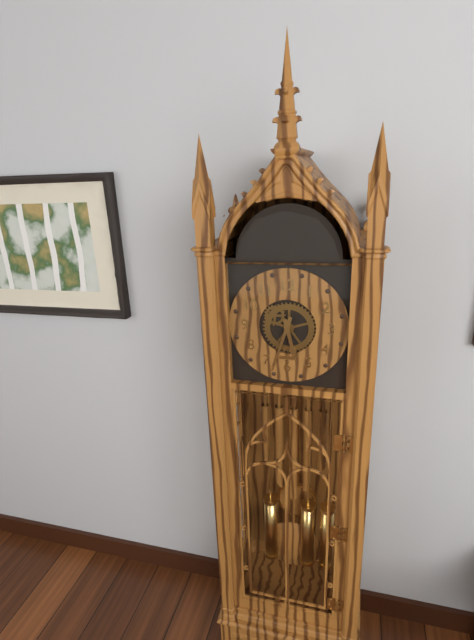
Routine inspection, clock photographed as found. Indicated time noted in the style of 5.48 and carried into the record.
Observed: 5.33
